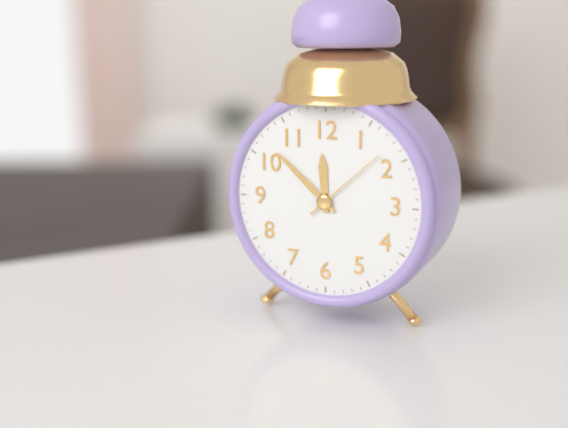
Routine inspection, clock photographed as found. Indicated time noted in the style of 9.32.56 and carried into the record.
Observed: 11.52.08
